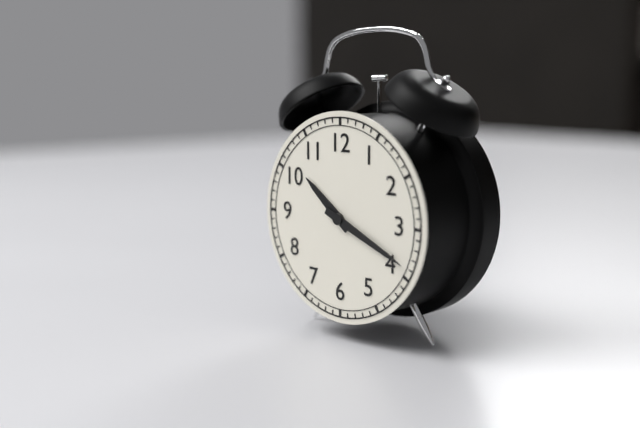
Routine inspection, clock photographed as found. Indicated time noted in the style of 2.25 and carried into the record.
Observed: 10.19
